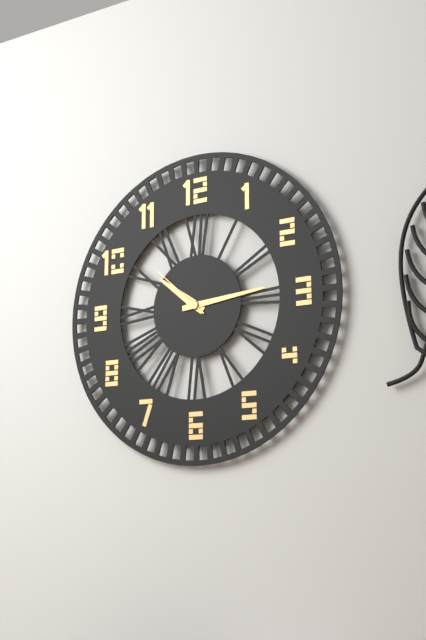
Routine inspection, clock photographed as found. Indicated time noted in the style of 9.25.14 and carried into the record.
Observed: 10.14.52
